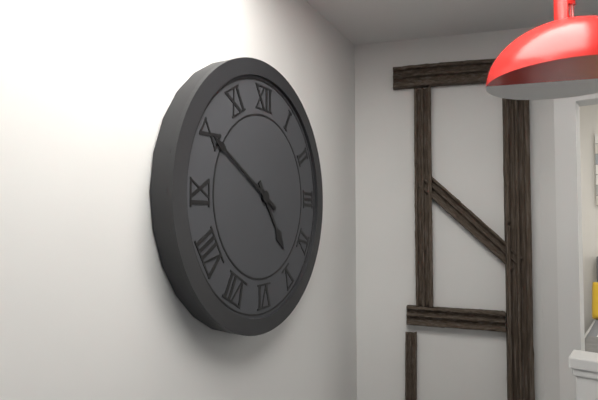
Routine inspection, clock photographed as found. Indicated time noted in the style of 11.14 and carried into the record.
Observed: 4.50
